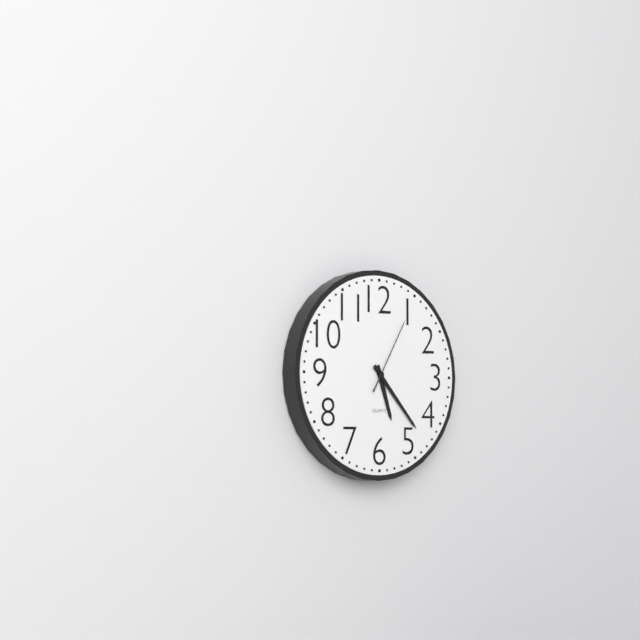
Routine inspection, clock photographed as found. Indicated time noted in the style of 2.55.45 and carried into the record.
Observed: 5.23.05
